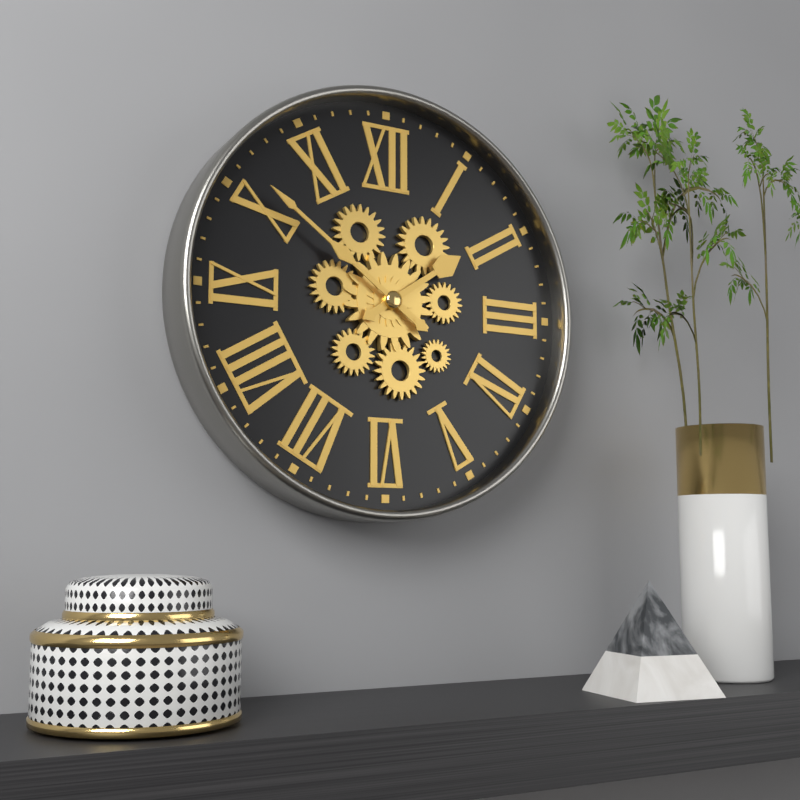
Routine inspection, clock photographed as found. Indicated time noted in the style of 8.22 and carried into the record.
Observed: 1.51
